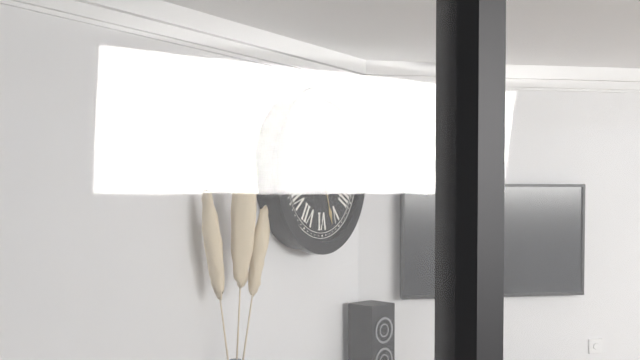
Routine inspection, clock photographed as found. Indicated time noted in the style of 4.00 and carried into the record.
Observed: 9.27
